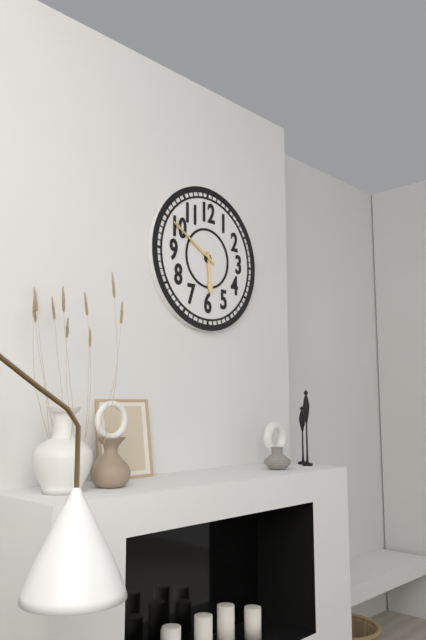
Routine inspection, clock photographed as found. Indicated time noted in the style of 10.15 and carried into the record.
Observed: 5.50
